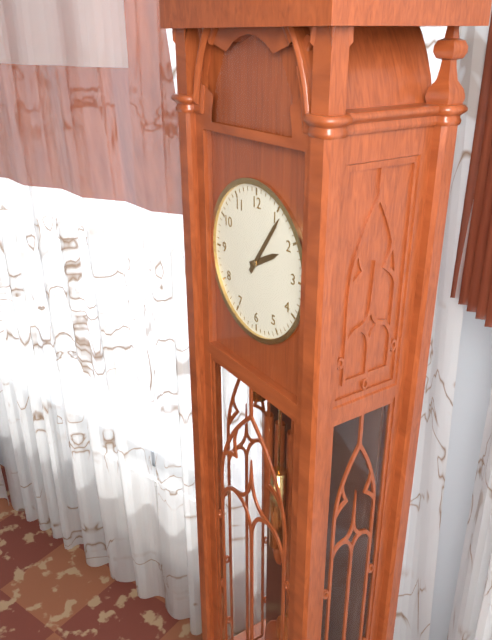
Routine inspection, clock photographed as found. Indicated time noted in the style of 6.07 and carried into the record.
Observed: 2.06
